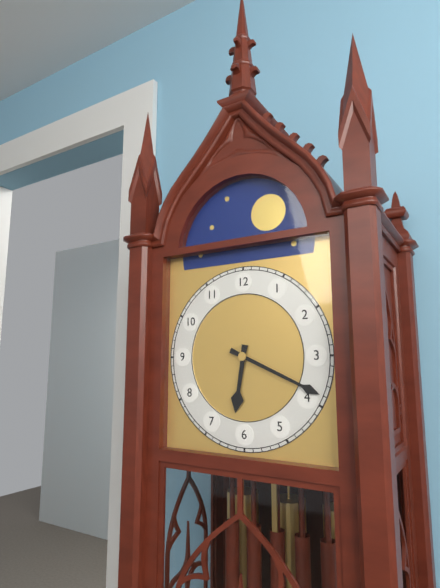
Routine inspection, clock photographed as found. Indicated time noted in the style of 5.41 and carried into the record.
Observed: 6.19
